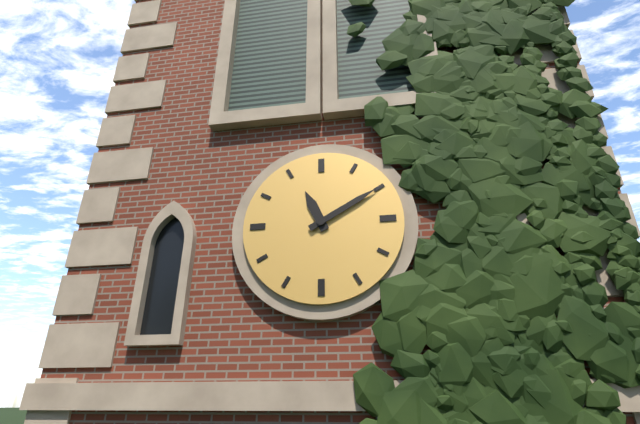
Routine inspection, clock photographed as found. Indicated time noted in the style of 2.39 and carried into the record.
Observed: 11.10
